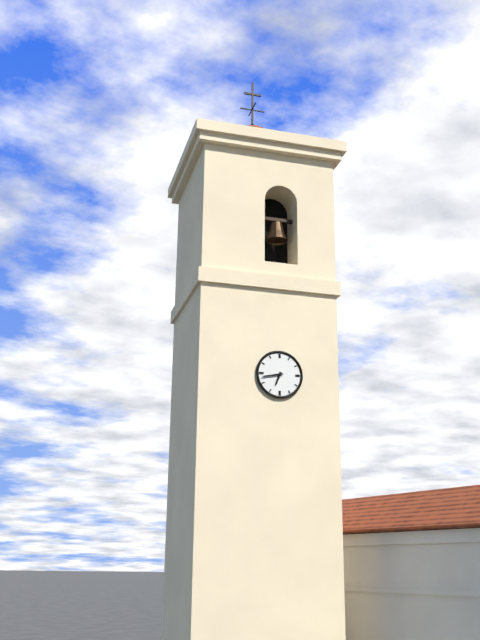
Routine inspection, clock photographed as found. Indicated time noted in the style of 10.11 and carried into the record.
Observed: 6.43
